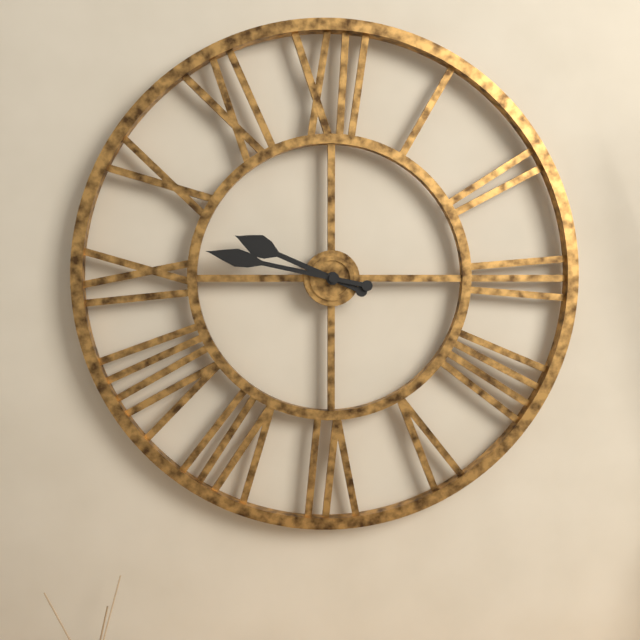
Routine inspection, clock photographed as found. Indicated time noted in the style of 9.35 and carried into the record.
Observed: 9.47
